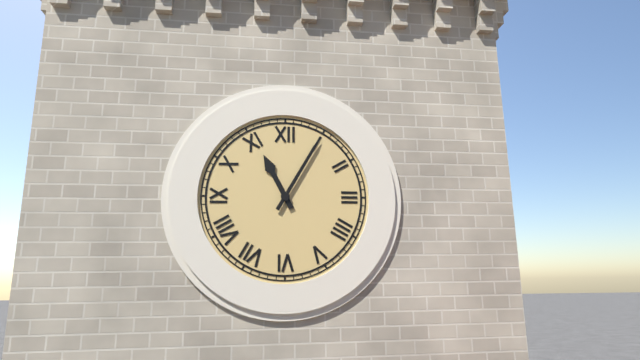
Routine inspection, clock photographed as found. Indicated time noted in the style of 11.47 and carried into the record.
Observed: 11.05
